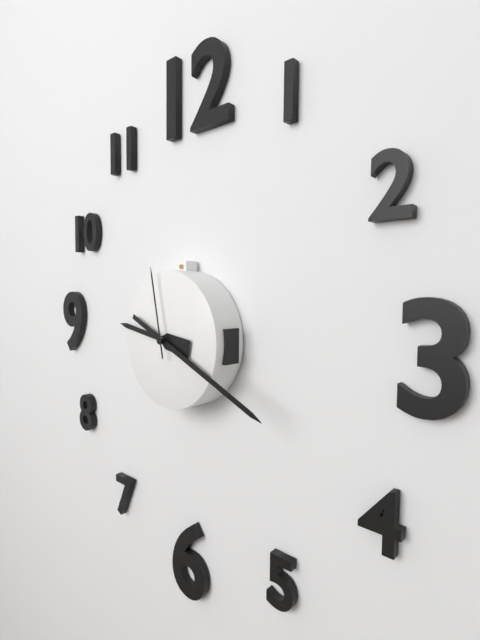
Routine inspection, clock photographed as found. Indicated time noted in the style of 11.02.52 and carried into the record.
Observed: 9.19.58
